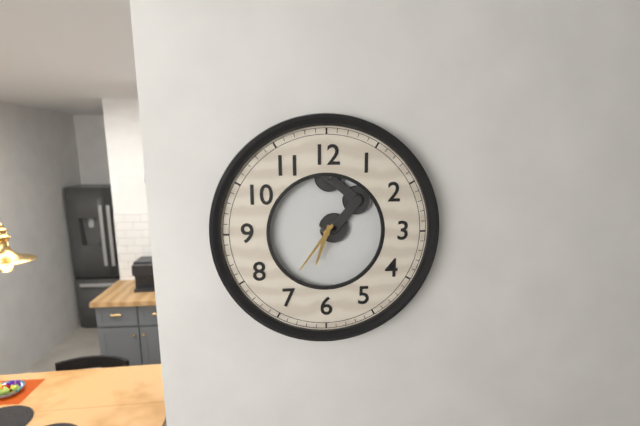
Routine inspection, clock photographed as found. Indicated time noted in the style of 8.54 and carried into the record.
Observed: 6.36
